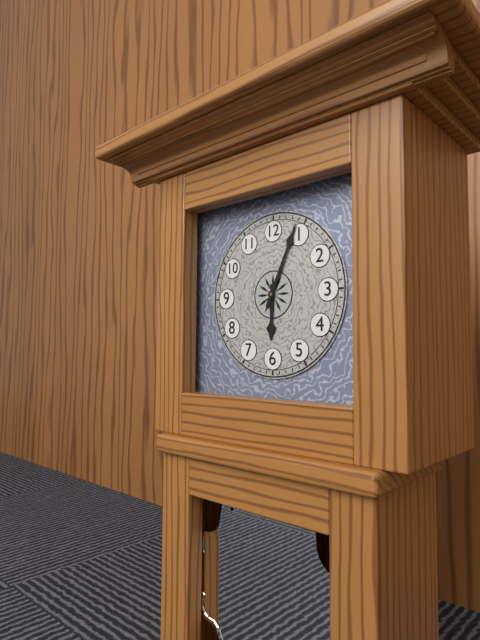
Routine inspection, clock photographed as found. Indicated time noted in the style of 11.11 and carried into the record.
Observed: 6.04
